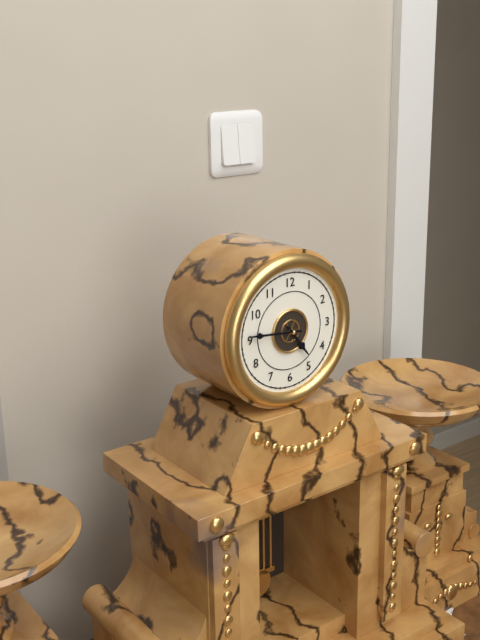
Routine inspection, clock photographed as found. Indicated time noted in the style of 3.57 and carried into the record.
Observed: 4.46
